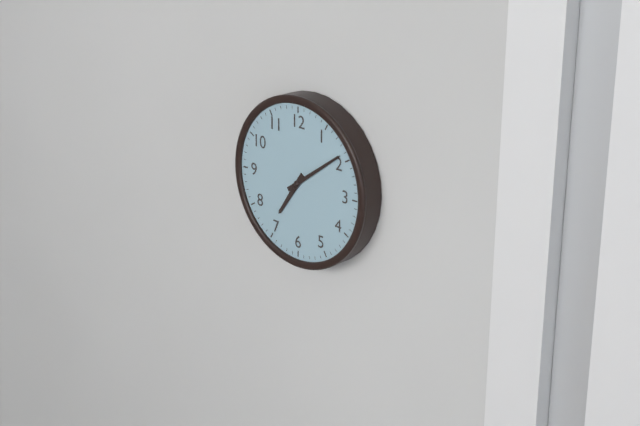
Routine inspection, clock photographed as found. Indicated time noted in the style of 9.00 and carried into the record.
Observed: 7.09
